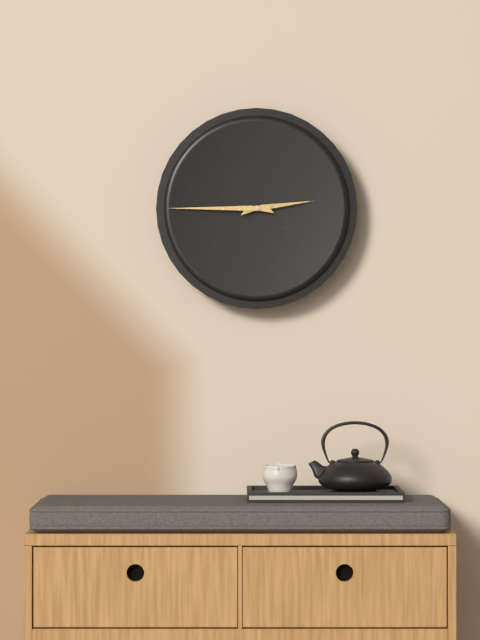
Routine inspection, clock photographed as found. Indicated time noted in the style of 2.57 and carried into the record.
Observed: 2.45
